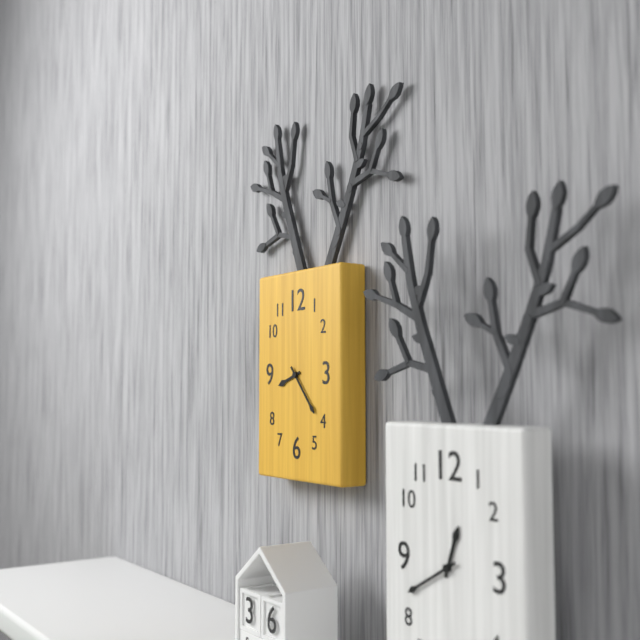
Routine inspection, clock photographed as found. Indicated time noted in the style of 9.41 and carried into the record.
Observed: 8.23
